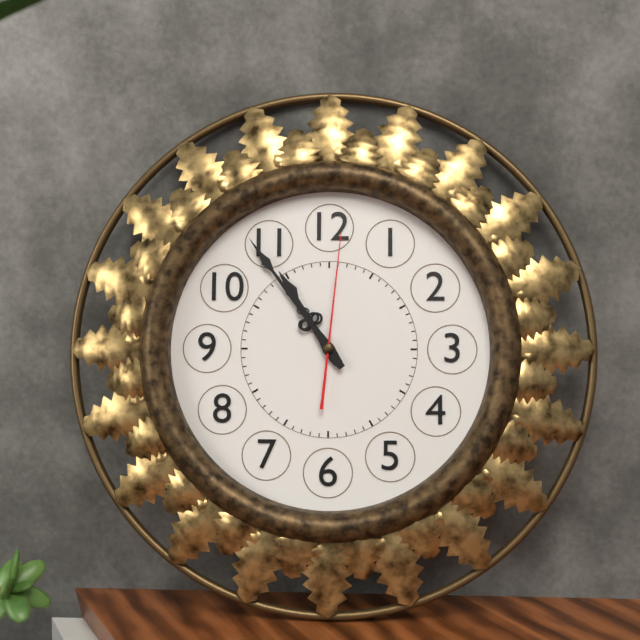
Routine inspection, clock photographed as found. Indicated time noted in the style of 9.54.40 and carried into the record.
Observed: 10.54.01
